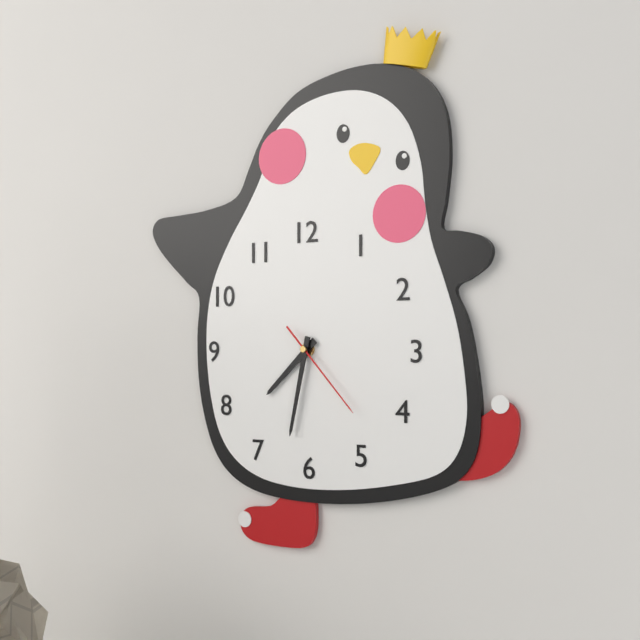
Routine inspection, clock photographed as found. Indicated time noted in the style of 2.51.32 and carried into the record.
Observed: 7.32.23
